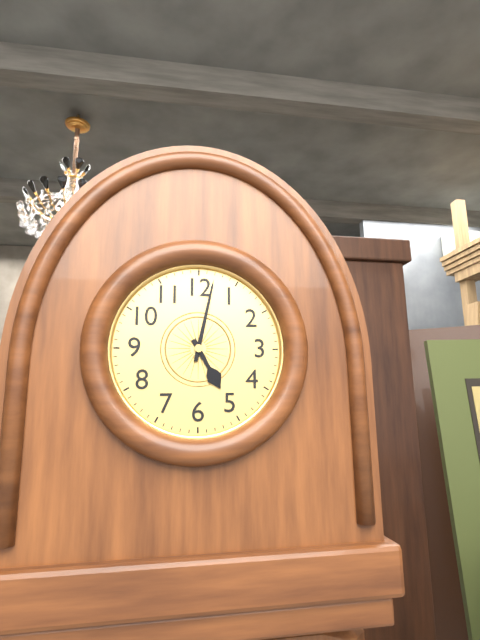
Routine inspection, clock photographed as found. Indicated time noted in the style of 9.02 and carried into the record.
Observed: 5.02
